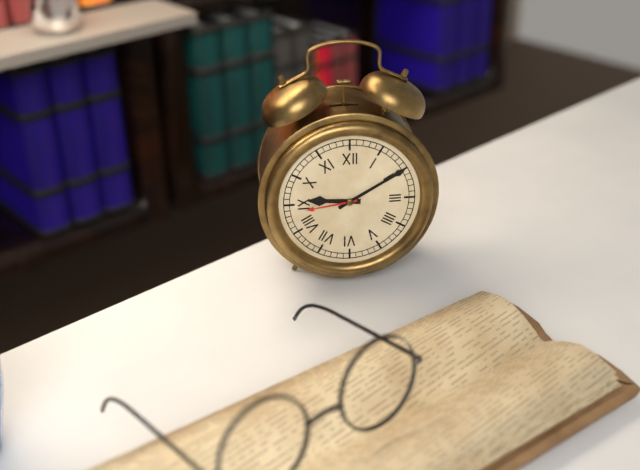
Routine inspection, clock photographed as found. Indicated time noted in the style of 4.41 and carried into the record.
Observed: 9.10
